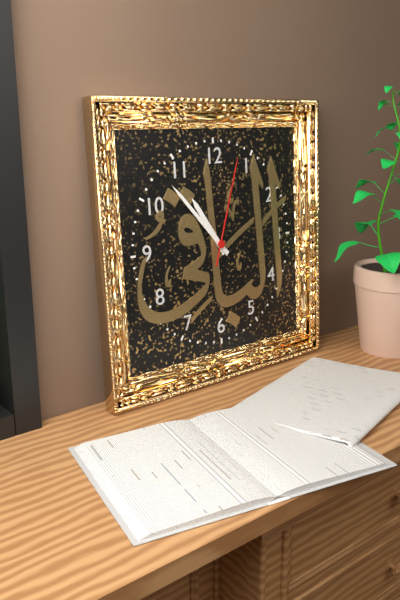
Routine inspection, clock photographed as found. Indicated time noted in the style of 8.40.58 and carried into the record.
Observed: 10.53.03
